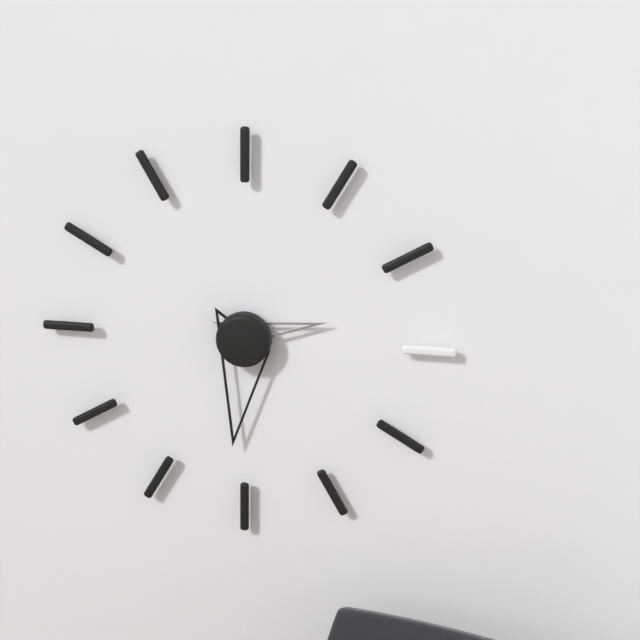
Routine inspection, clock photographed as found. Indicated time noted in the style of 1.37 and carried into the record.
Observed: 2.31
